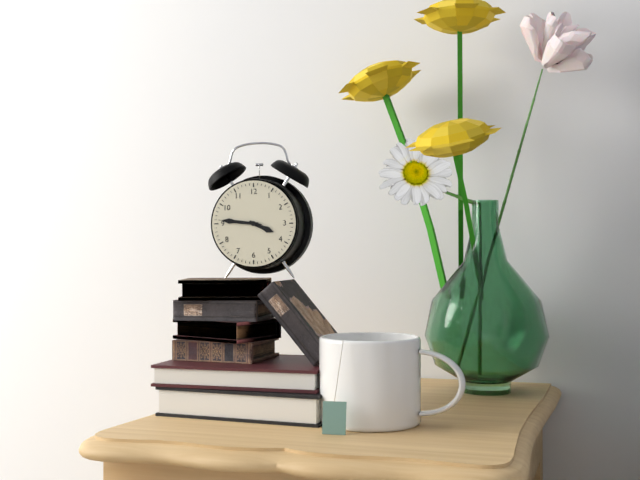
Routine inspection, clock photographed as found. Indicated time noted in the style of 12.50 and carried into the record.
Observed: 3.46
